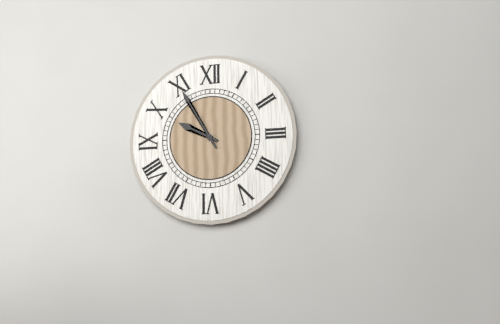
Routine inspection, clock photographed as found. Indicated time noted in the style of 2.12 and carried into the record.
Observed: 9.55
